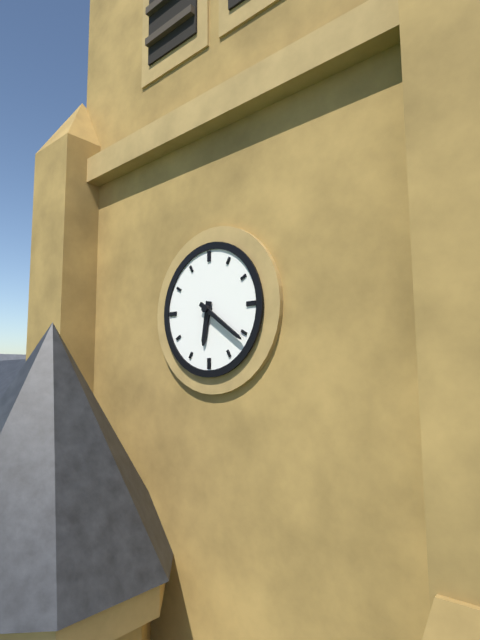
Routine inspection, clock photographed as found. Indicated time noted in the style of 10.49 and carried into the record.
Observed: 6.21
